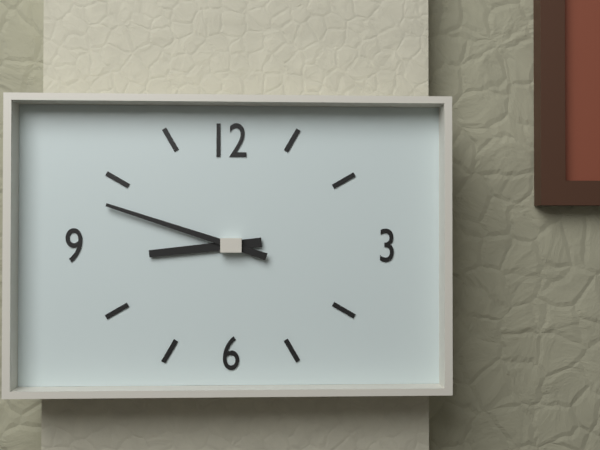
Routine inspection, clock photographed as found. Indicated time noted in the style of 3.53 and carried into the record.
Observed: 8.48
